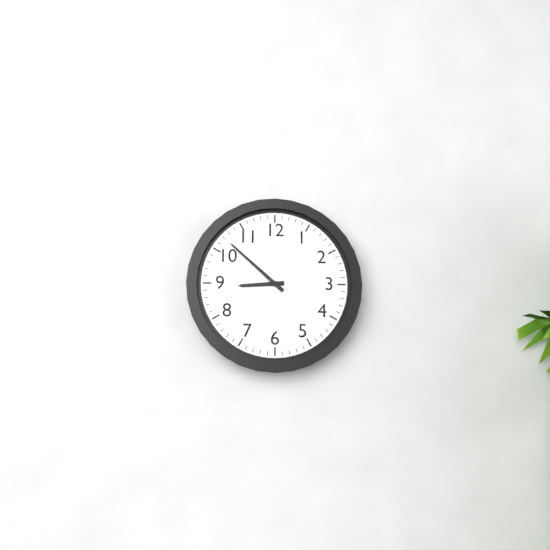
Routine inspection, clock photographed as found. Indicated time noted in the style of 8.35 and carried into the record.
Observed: 8.52
